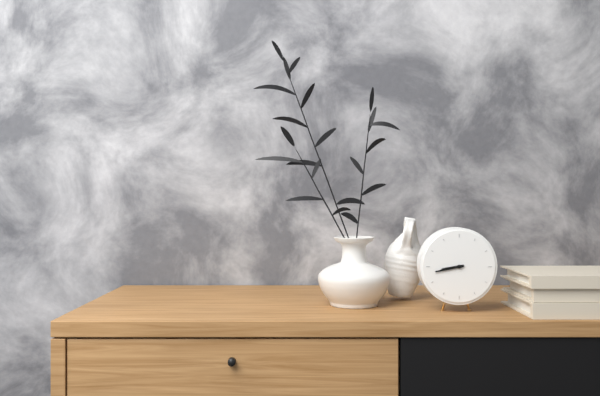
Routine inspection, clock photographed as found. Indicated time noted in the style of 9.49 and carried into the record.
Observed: 8.43
